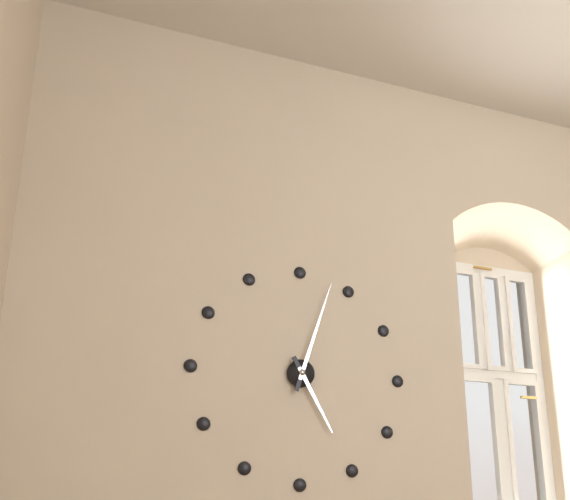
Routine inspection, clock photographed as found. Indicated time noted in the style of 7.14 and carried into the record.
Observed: 5.03
